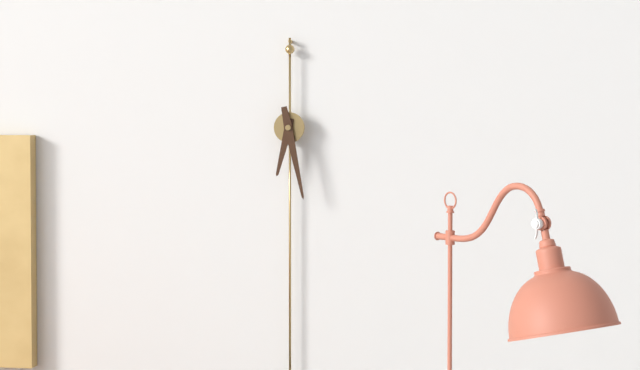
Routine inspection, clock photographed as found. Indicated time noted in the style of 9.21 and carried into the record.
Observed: 6.28
